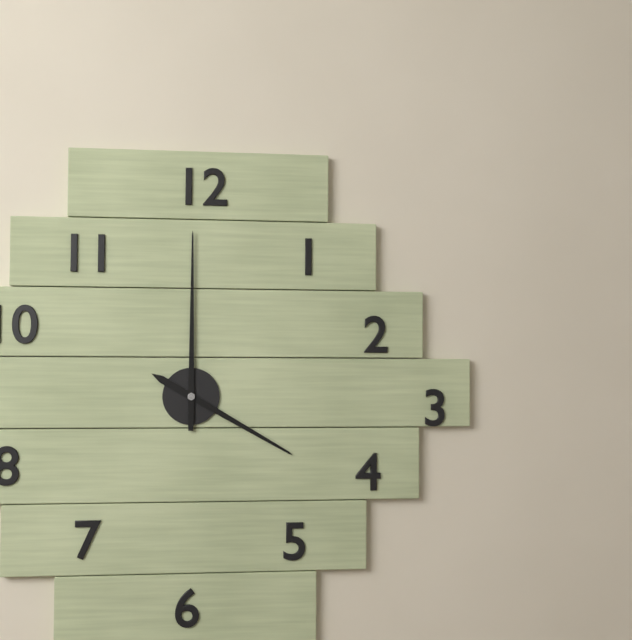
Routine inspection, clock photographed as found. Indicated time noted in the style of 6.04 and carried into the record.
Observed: 4.00
